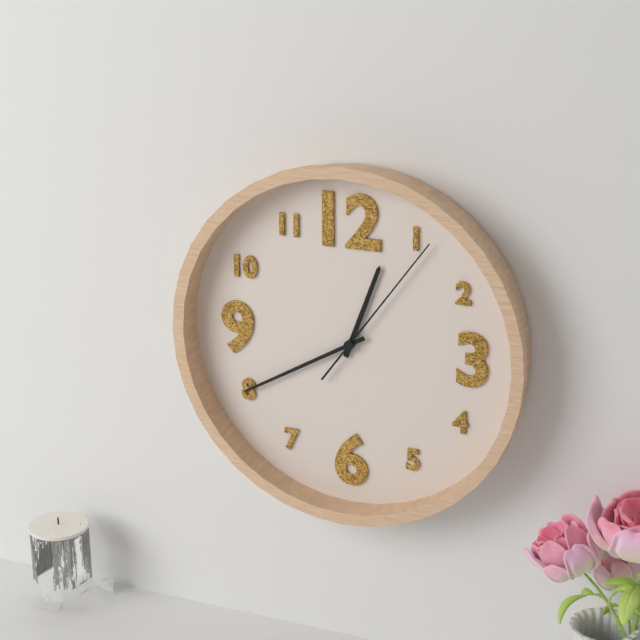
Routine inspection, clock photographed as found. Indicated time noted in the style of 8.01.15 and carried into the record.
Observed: 12.40.06
